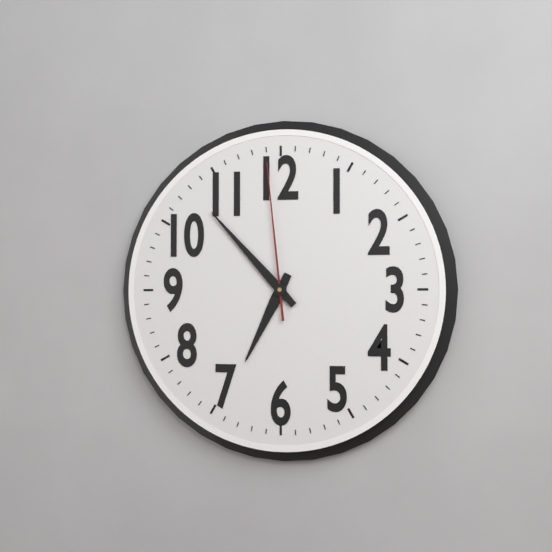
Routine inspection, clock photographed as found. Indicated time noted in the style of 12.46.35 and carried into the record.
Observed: 6.53.59
